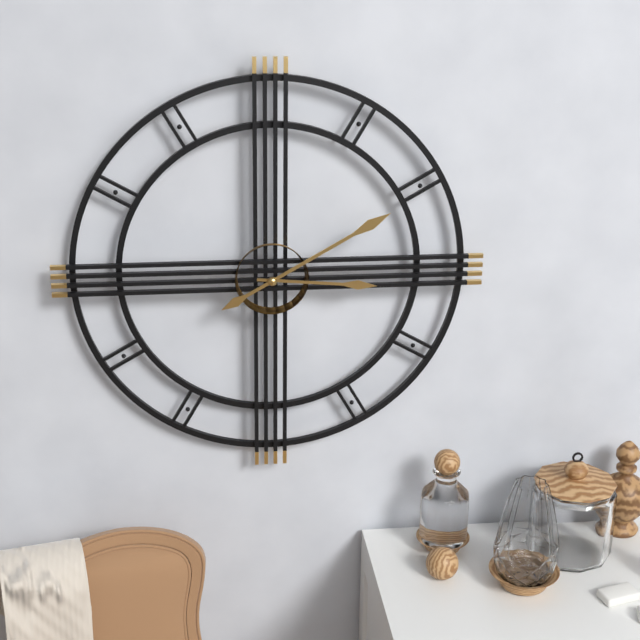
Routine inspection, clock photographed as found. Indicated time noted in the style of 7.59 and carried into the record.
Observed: 3.10
